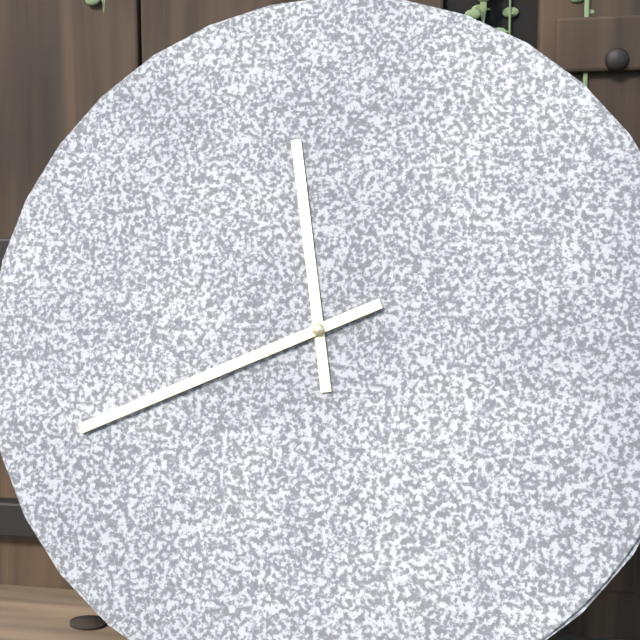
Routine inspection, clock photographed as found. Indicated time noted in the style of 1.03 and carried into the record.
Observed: 11.41
